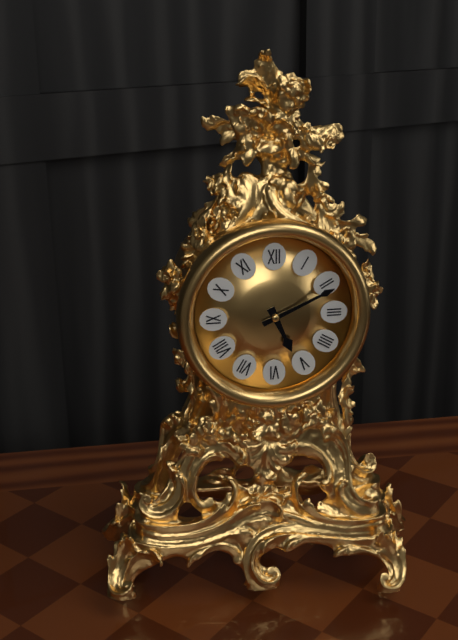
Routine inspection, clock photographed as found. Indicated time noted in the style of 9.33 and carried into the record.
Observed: 5.11
